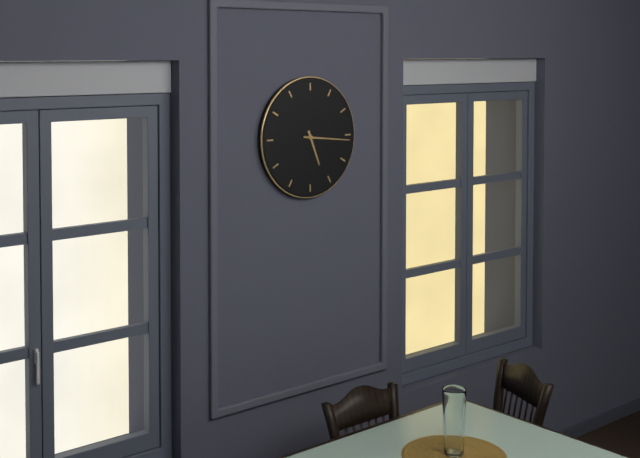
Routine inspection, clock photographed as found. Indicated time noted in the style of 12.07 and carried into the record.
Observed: 5.16
